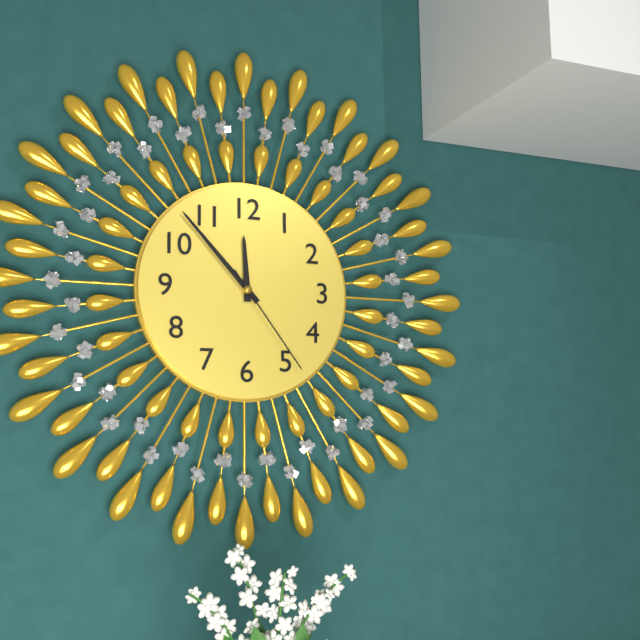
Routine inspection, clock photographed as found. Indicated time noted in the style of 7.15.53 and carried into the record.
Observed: 11.53.24
